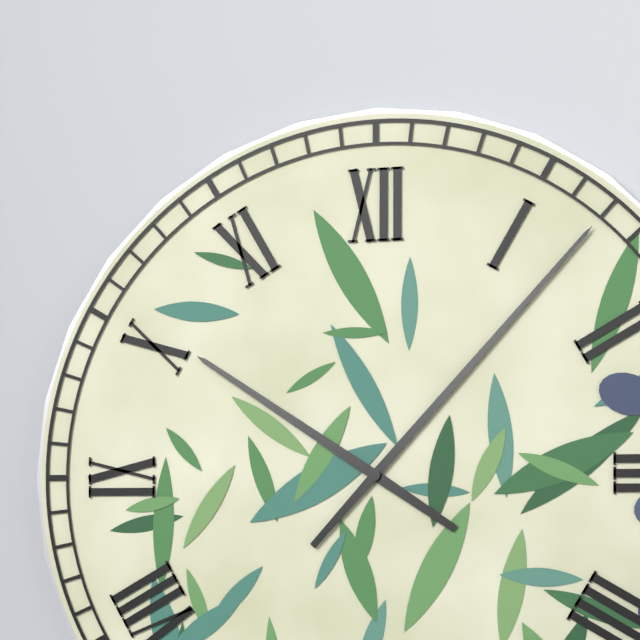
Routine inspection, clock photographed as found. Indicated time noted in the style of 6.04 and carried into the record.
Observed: 10.07
